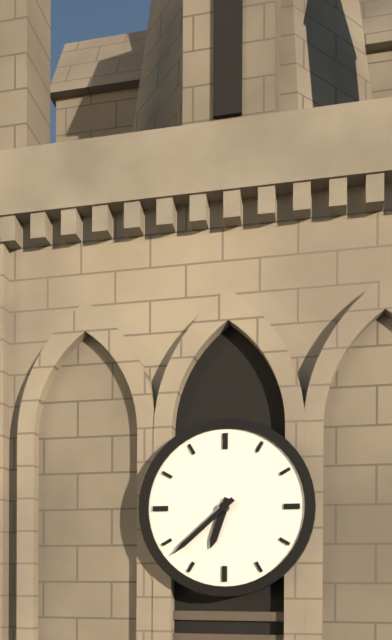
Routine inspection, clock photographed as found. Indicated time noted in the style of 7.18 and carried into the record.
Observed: 6.38
